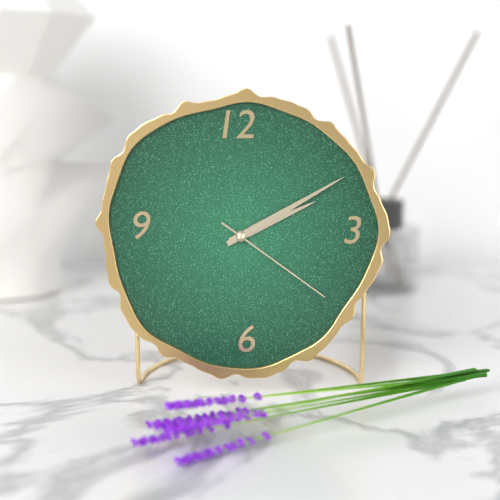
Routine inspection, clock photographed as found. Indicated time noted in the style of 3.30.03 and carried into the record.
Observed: 2.10.21
